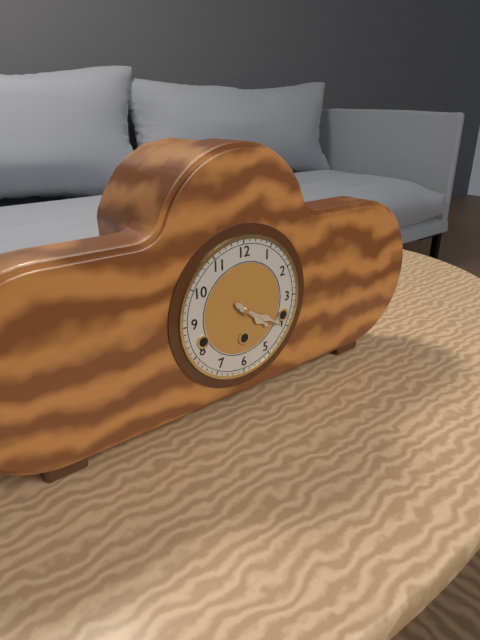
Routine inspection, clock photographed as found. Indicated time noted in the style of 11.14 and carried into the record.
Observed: 4.20
